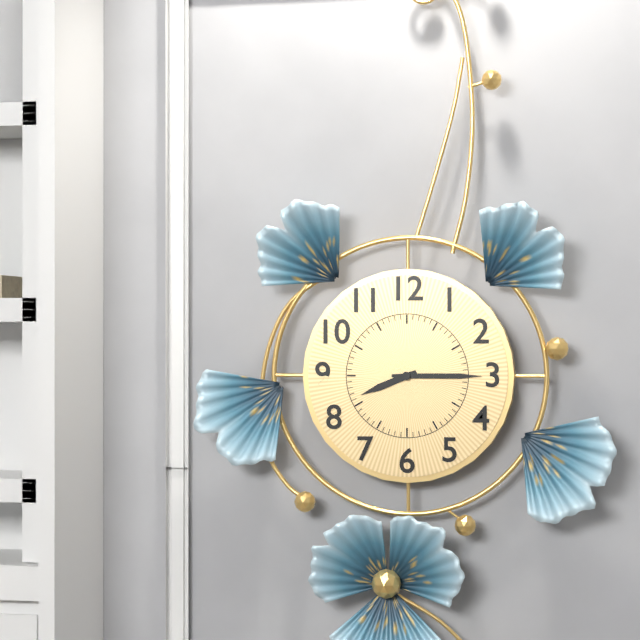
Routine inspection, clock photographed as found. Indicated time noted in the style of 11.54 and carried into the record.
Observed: 8.15
